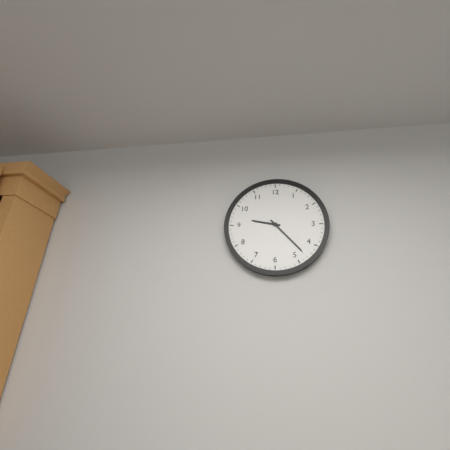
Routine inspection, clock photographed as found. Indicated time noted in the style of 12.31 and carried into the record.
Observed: 9.23
